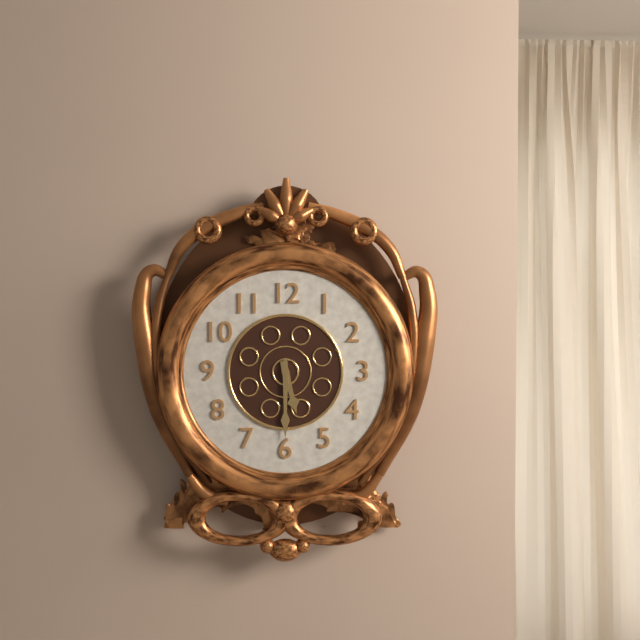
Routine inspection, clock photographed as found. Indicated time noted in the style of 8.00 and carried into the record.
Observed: 5.30
